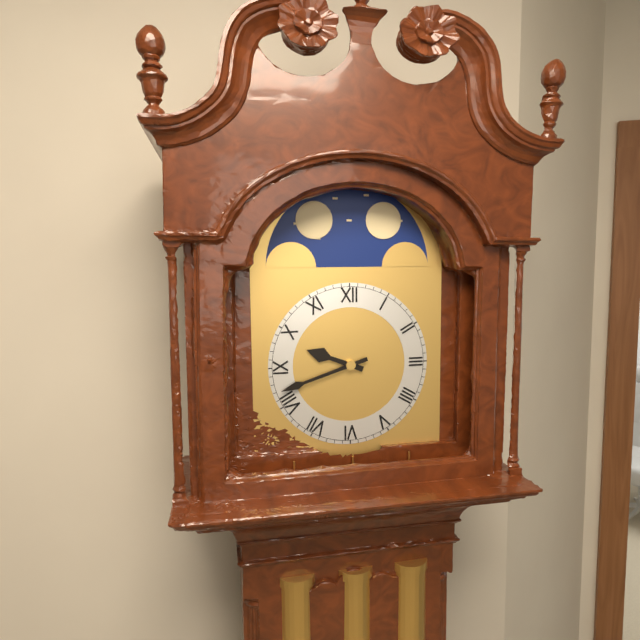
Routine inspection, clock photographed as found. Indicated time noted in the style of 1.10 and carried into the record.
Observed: 9.42
